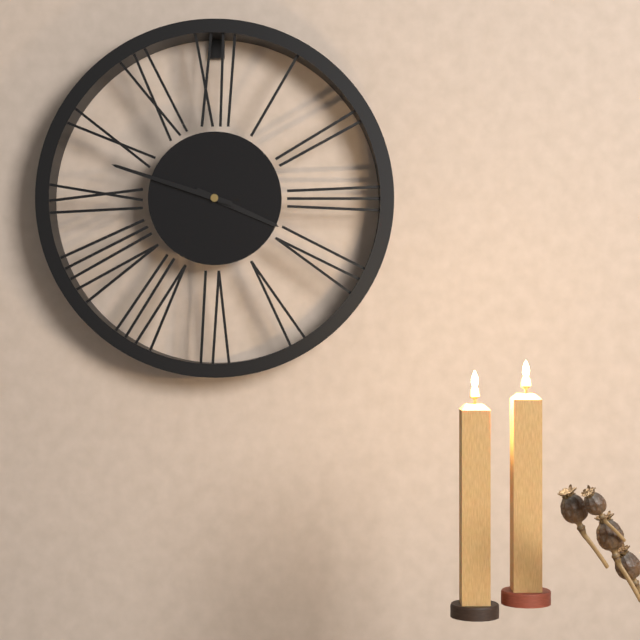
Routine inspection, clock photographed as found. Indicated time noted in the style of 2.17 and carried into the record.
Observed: 3.48
